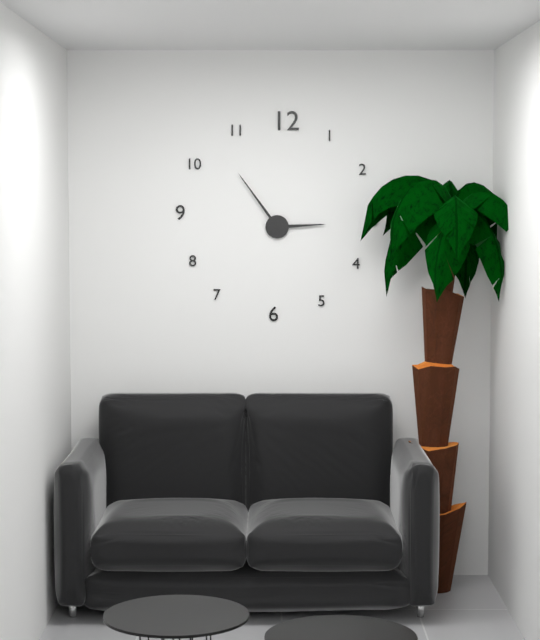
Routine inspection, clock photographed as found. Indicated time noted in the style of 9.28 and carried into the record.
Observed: 2.54
